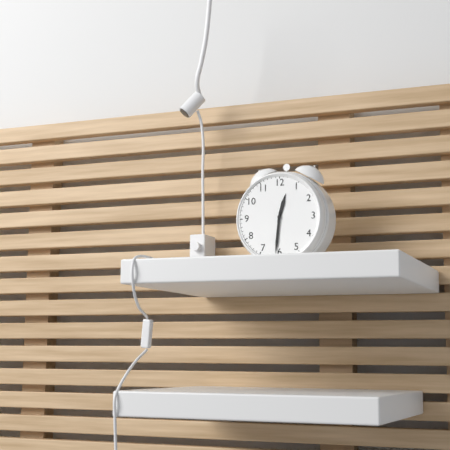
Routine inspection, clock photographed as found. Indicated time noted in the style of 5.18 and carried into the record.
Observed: 12.31
